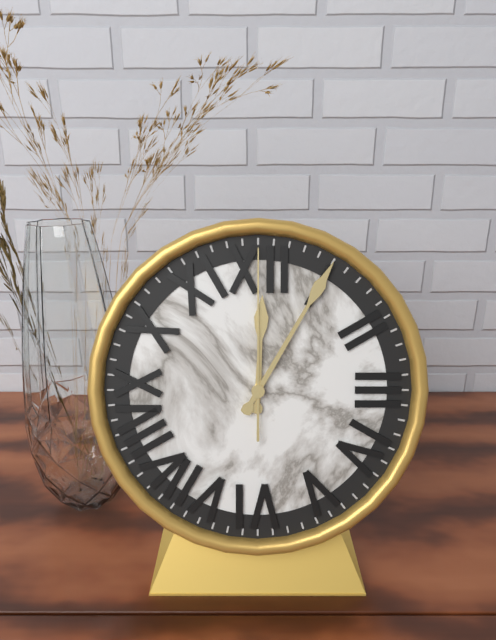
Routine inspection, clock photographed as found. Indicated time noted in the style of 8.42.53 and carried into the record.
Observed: 12.05.00
